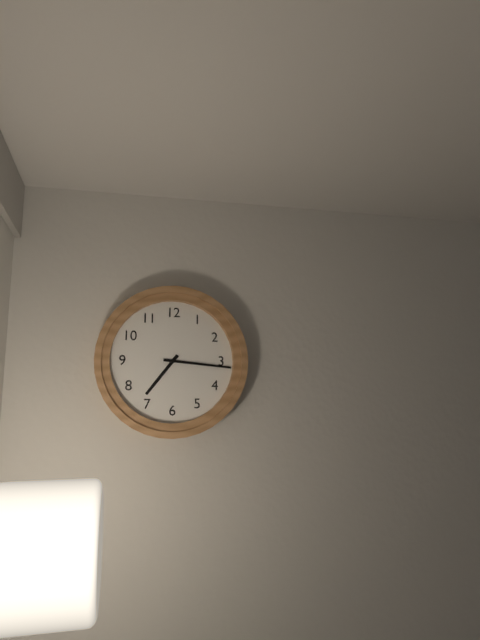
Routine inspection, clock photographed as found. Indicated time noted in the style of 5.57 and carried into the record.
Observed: 7.16
